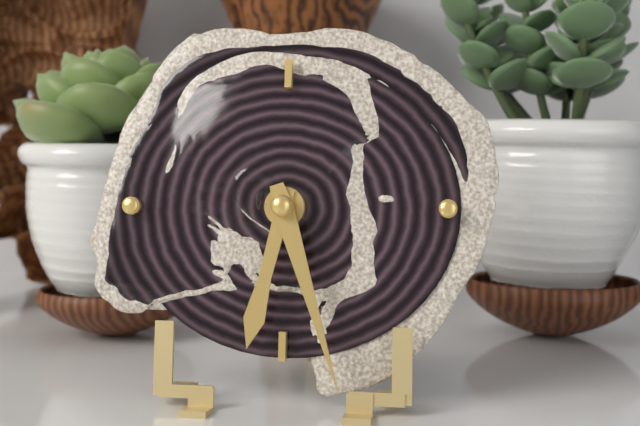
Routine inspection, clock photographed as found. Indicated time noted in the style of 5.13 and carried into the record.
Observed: 6.27
